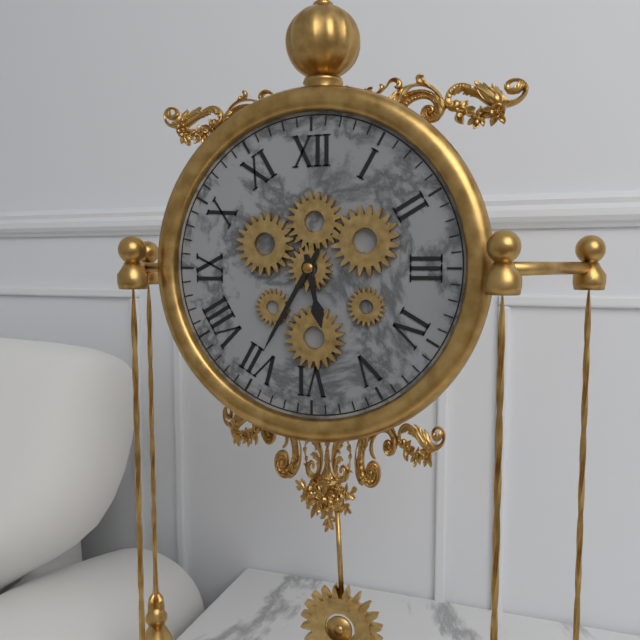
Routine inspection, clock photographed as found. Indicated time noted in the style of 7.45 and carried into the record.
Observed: 5.35
